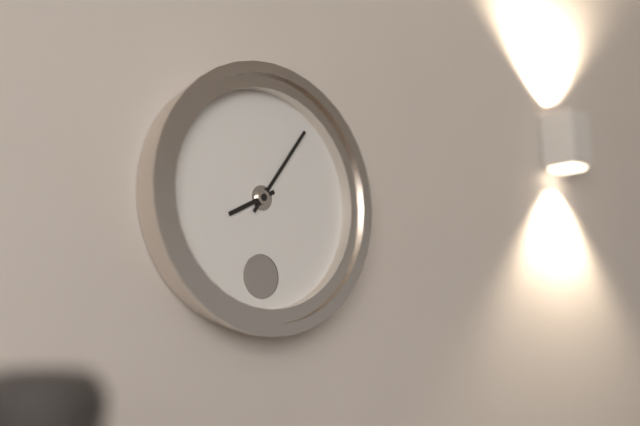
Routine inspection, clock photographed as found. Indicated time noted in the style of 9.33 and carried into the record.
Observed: 8.06
